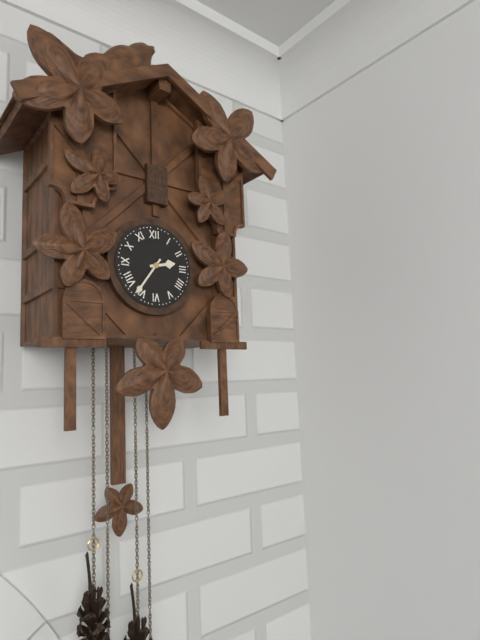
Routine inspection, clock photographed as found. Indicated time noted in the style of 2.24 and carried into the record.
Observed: 2.36
